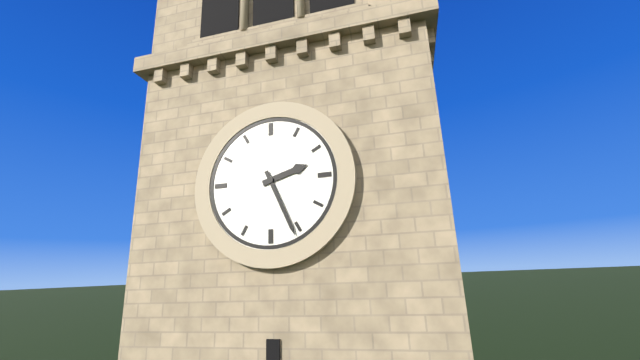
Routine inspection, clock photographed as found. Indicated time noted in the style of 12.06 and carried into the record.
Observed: 2.26
